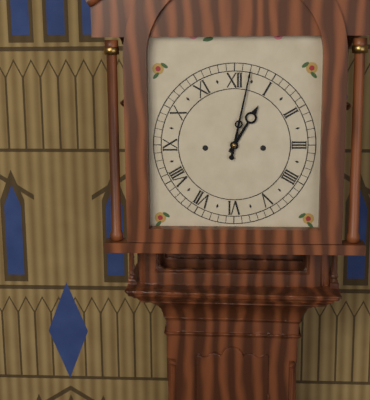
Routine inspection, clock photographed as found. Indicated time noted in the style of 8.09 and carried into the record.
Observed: 1.02
